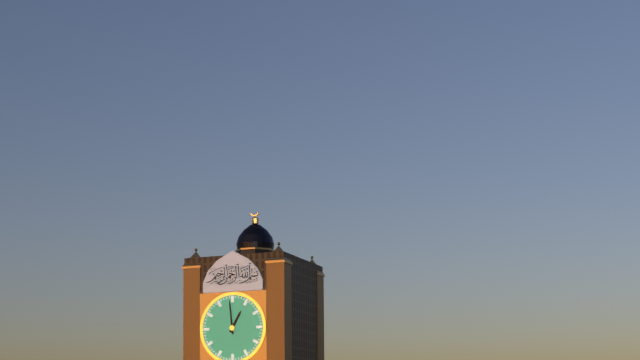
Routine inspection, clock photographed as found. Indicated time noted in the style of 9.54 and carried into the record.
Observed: 12.59
